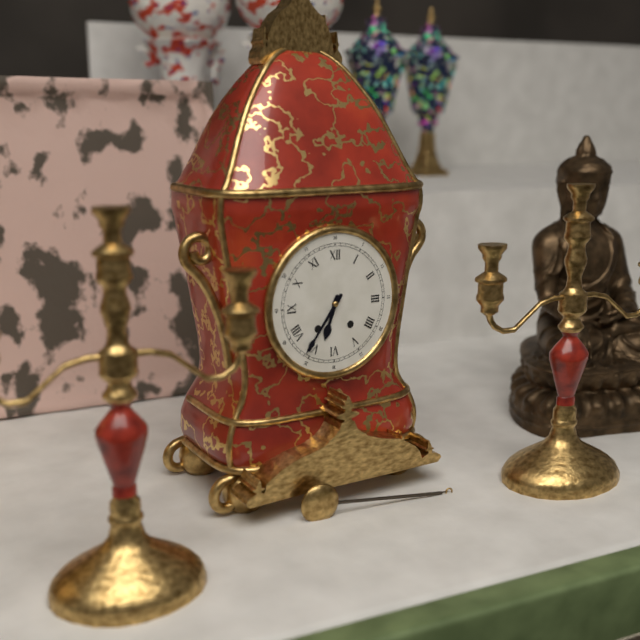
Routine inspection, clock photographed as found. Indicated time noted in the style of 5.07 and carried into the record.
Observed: 6.36
